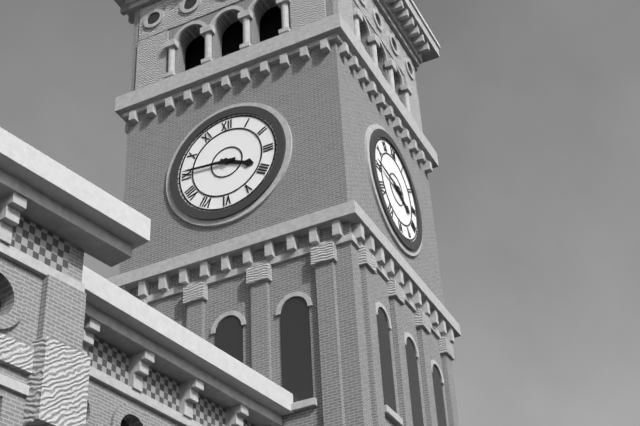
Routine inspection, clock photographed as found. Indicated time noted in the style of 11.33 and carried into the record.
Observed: 3.46
